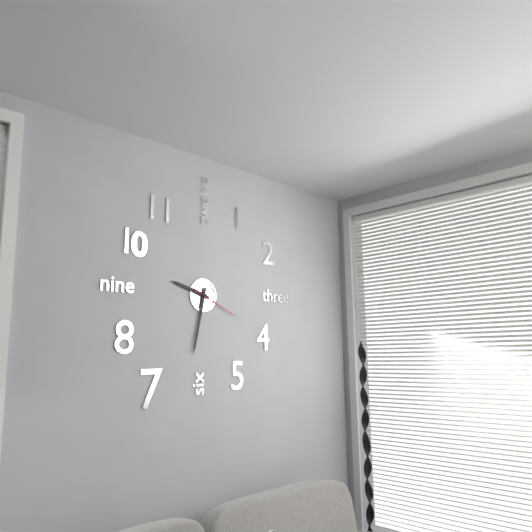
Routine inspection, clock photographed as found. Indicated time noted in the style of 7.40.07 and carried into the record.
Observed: 9.32.19
